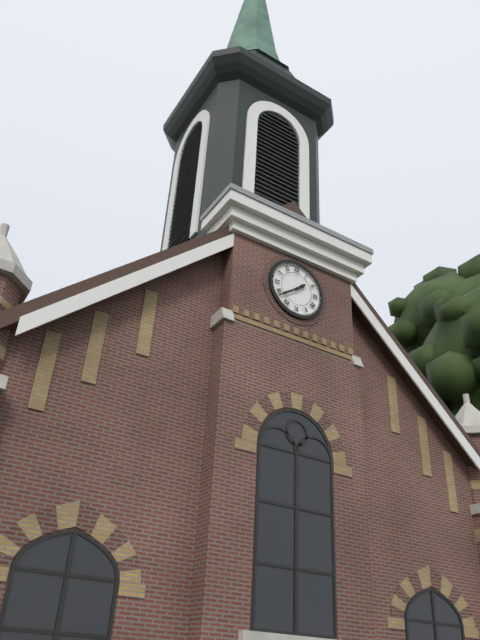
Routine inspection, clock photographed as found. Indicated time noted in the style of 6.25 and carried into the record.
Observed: 1.39
